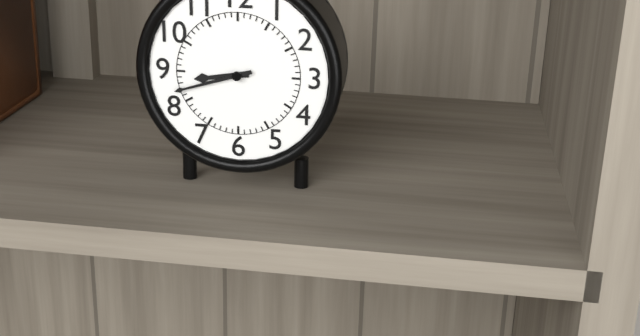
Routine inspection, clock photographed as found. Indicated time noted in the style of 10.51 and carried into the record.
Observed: 8.42
